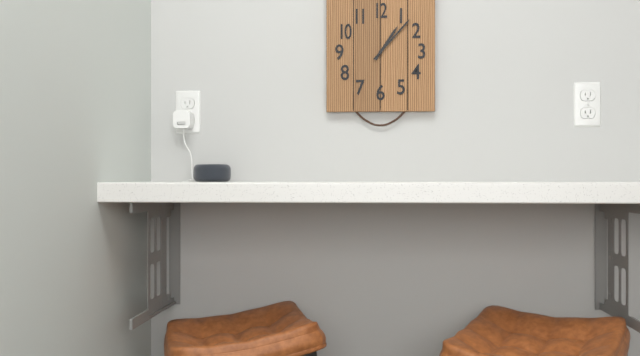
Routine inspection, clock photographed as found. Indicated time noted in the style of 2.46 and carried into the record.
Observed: 1.07
